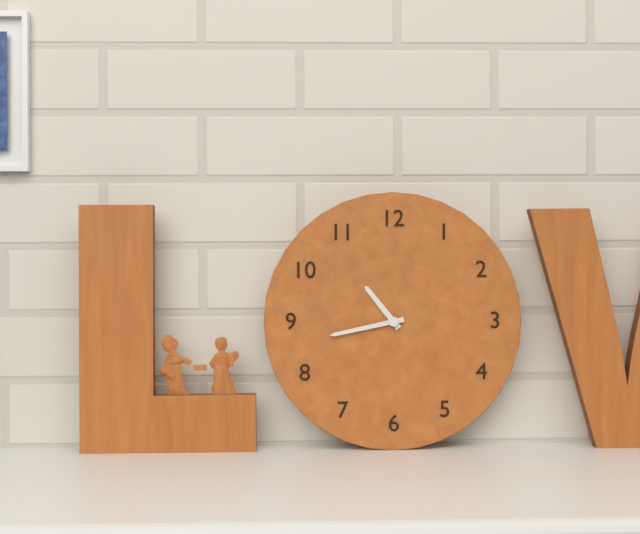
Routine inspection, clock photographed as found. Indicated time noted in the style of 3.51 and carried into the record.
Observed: 10.43
